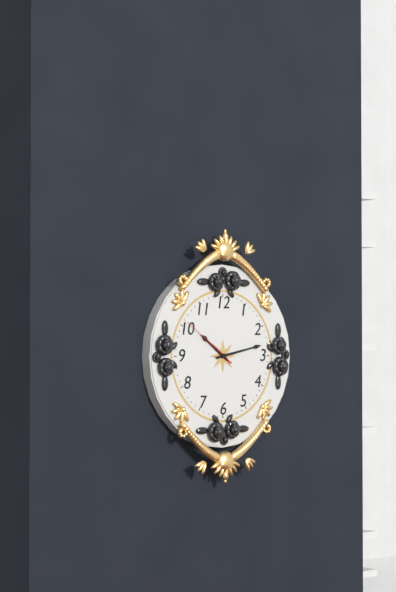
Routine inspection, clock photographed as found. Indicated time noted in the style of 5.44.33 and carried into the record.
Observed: 10.13.51
